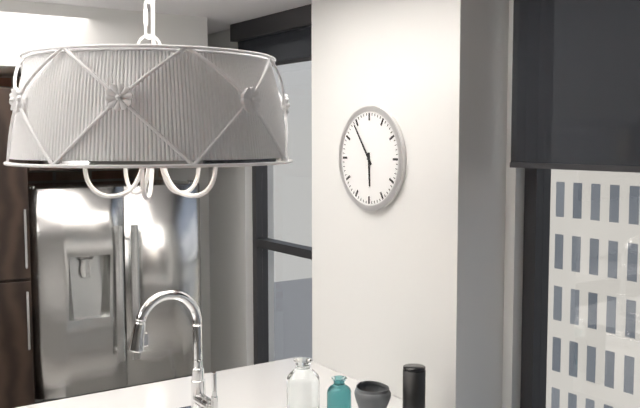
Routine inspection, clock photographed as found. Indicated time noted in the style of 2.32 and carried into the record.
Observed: 5.54
